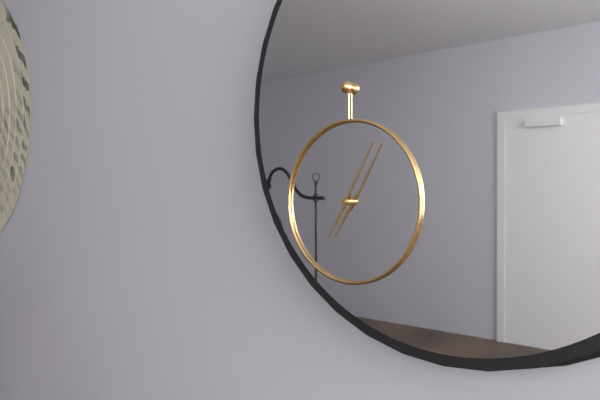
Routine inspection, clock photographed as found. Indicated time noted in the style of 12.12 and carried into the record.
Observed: 7.05
